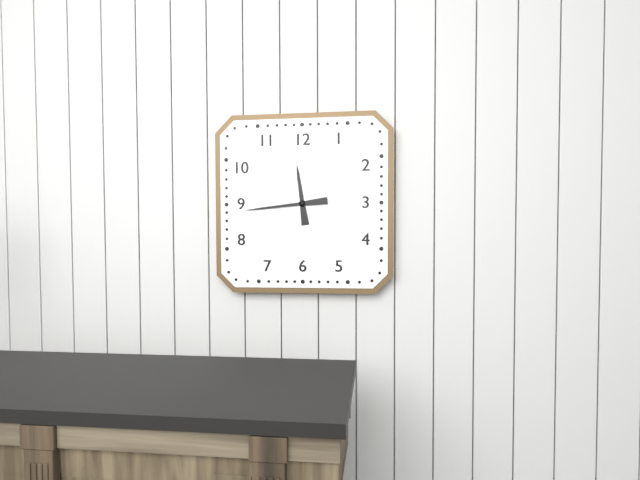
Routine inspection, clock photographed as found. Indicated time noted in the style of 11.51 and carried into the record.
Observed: 11.44
